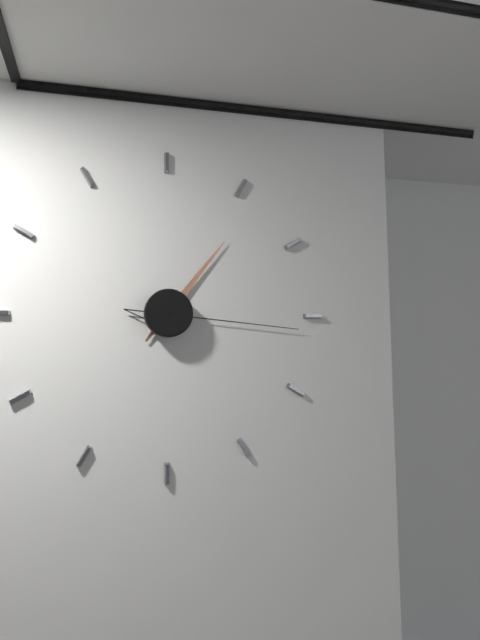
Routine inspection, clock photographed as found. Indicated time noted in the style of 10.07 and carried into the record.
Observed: 1.16
